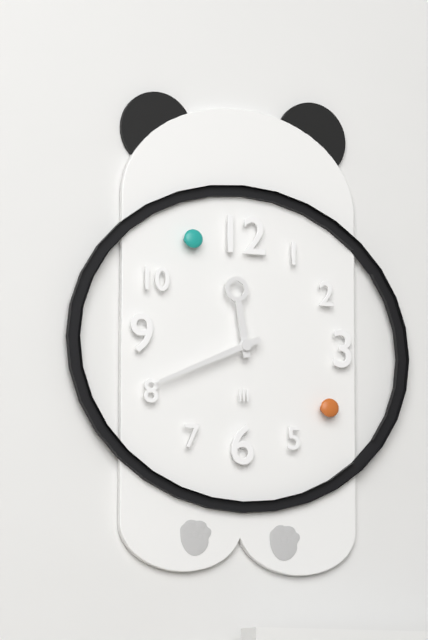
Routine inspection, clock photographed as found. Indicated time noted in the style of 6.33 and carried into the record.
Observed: 11.41
